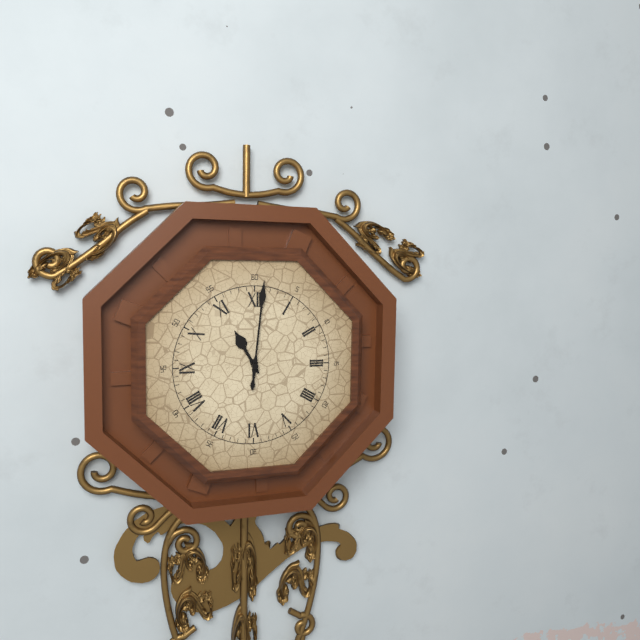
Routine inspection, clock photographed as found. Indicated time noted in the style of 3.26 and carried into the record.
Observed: 11.01
